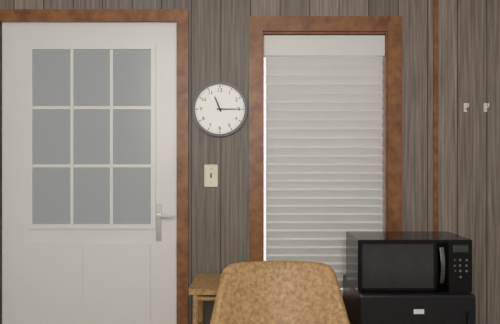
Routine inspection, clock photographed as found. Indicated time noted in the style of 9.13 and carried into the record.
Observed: 11.15
